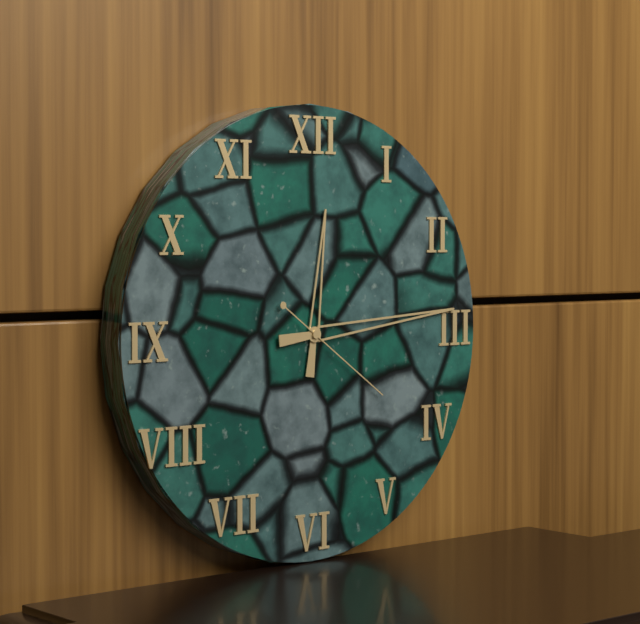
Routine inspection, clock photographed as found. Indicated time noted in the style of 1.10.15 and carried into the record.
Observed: 12.14.21
